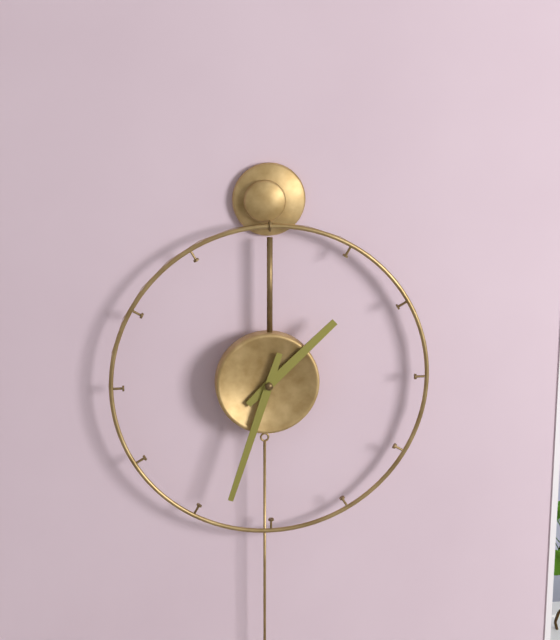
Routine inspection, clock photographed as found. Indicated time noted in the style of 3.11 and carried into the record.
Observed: 1.33
